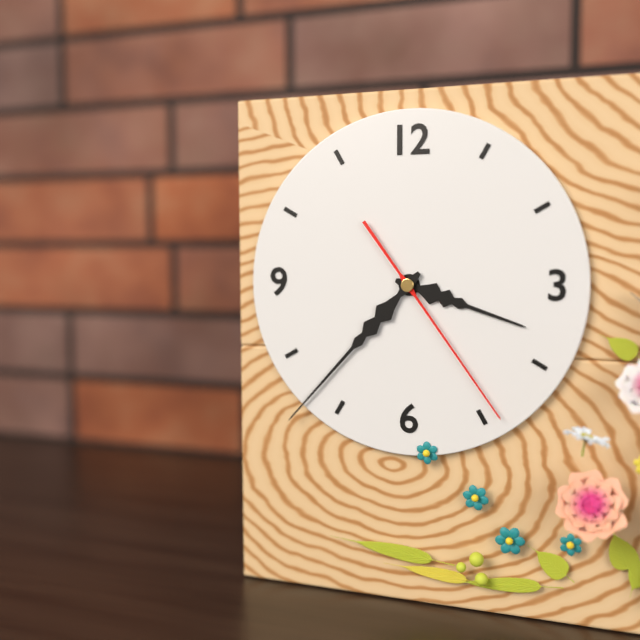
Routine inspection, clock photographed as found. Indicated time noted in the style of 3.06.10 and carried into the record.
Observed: 3.37.24
